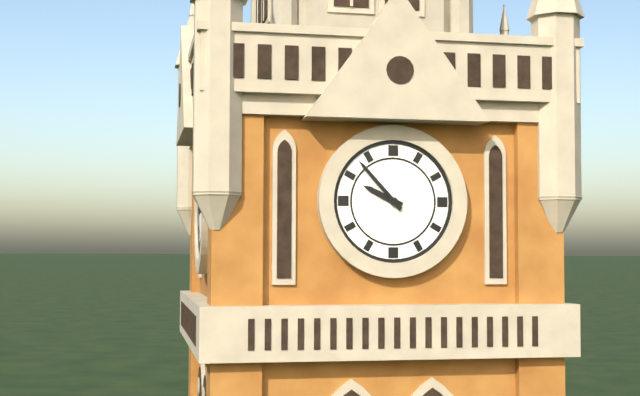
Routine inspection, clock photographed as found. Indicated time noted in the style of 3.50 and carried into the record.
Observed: 9.53
